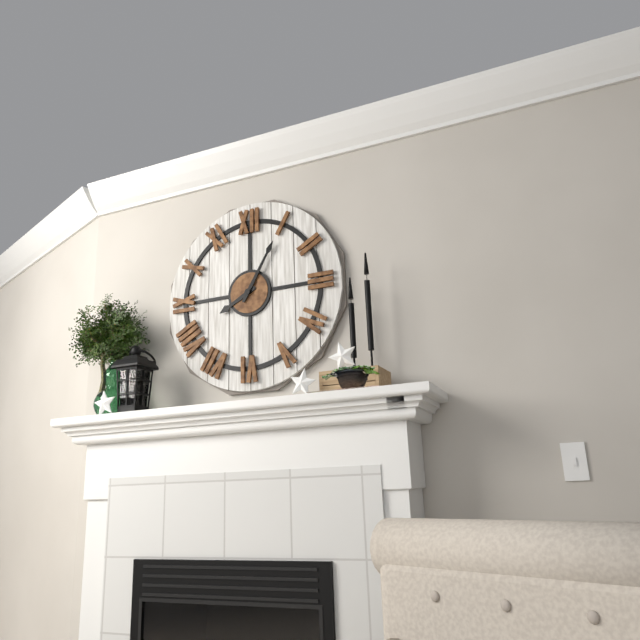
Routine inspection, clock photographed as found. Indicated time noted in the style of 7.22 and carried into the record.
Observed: 8.05
